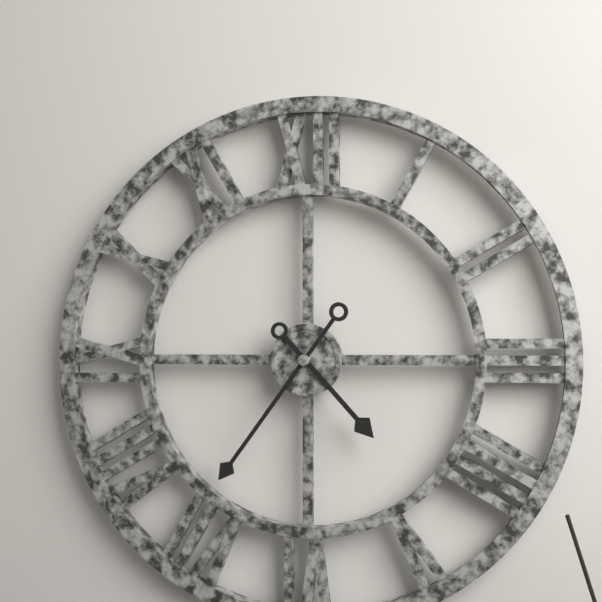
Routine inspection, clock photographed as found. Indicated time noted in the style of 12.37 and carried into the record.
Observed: 4.36
